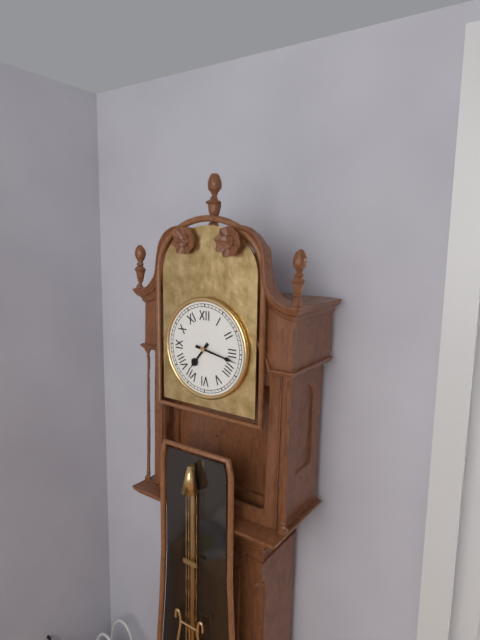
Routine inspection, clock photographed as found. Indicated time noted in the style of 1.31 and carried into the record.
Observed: 7.17
